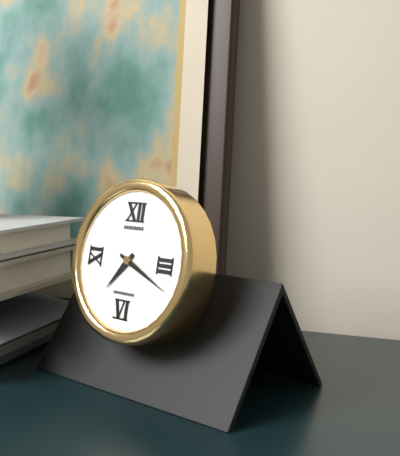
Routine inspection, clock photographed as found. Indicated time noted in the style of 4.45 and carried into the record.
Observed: 7.19
